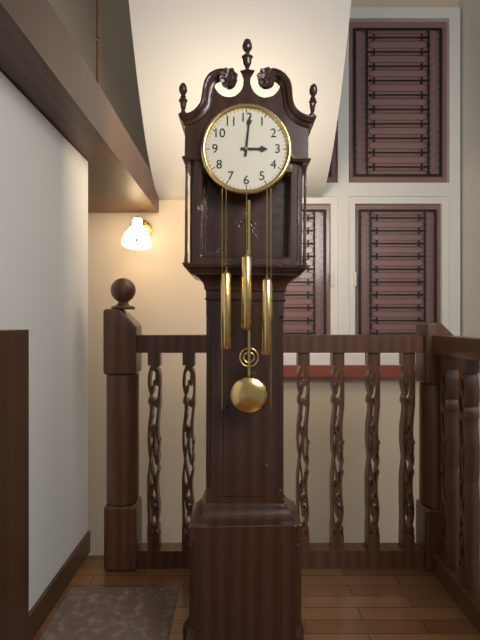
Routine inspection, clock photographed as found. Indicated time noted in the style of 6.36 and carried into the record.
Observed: 3.01
